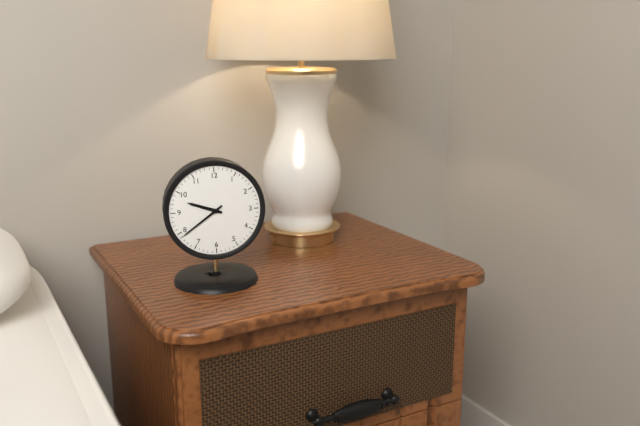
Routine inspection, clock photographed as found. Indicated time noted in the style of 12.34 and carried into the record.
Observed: 9.39
